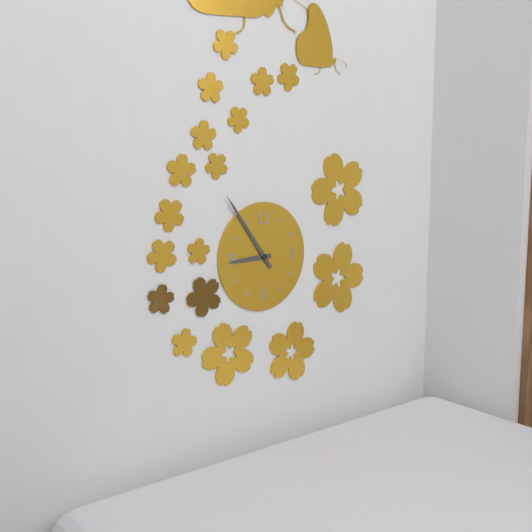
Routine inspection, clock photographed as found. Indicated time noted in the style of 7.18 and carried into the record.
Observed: 8.54
